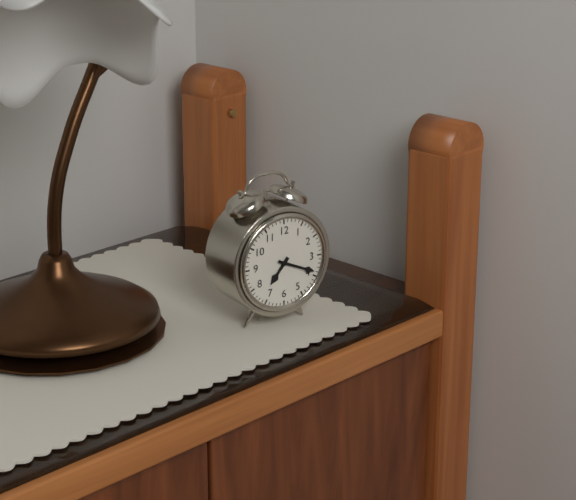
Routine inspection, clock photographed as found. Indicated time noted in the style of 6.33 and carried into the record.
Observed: 7.19
